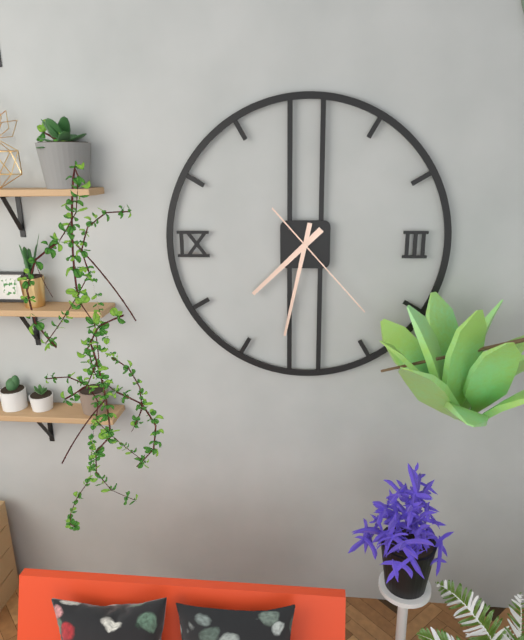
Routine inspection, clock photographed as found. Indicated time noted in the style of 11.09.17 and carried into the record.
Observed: 7.32.23
